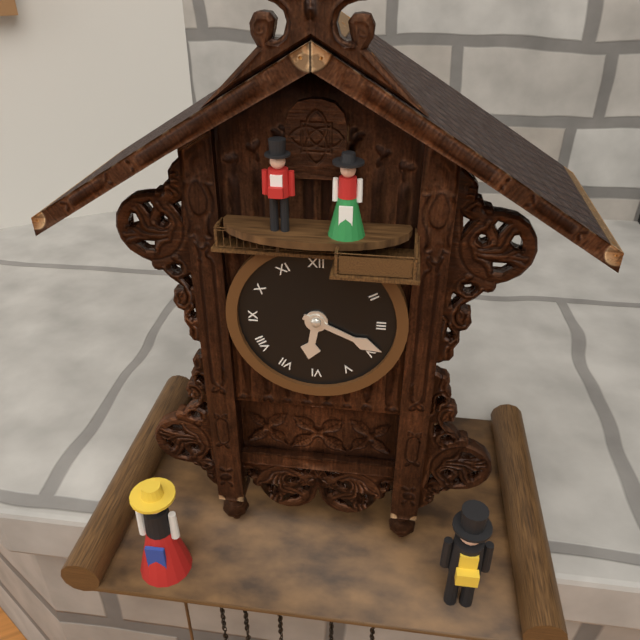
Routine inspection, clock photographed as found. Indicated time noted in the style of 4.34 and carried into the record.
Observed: 6.19
